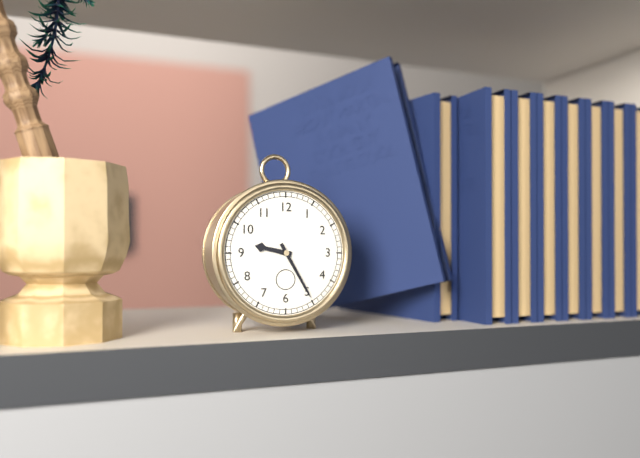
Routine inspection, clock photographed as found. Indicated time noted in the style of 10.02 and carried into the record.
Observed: 9.25
